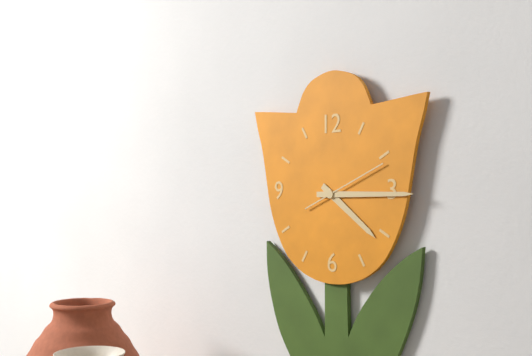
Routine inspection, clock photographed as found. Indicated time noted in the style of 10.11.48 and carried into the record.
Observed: 4.15.11
